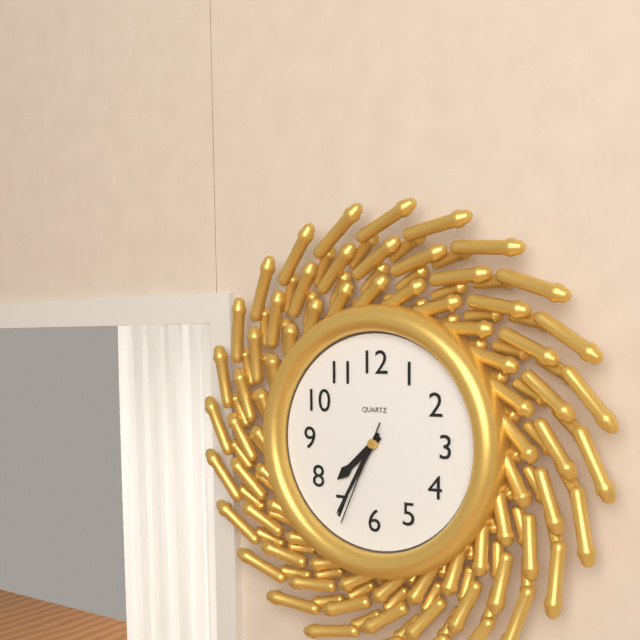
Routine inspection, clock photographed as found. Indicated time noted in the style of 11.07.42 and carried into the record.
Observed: 7.35.34
